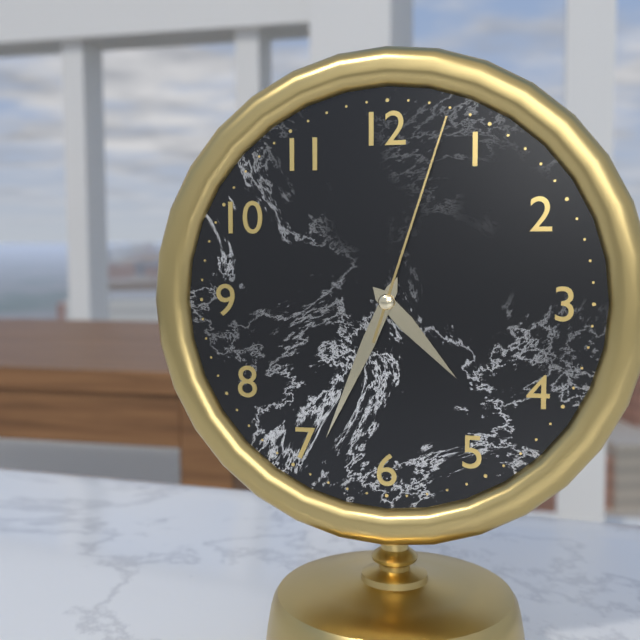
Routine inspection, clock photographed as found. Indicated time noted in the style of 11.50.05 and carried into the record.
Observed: 4.34.03
